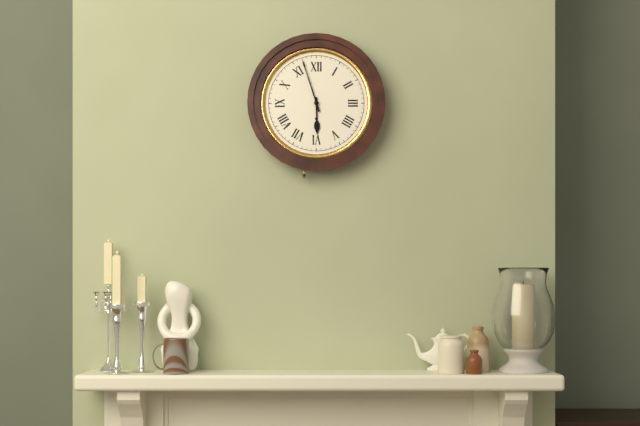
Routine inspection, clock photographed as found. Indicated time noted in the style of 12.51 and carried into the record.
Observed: 5.57
